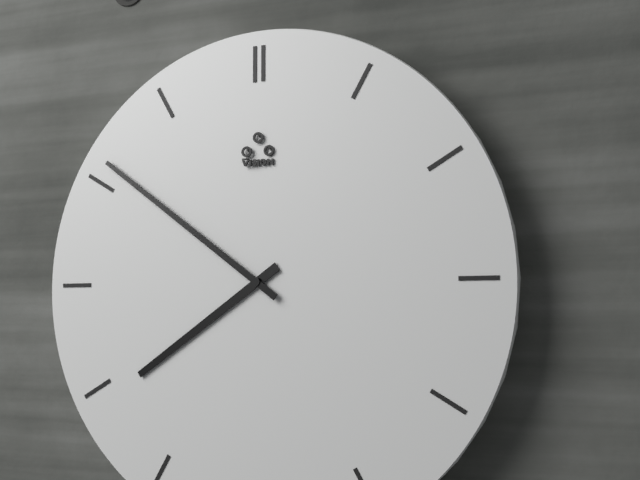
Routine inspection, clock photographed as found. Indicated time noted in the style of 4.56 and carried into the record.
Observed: 7.51
